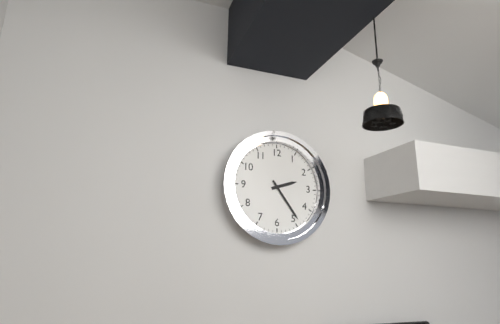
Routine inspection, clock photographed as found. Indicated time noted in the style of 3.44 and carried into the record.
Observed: 2.24
